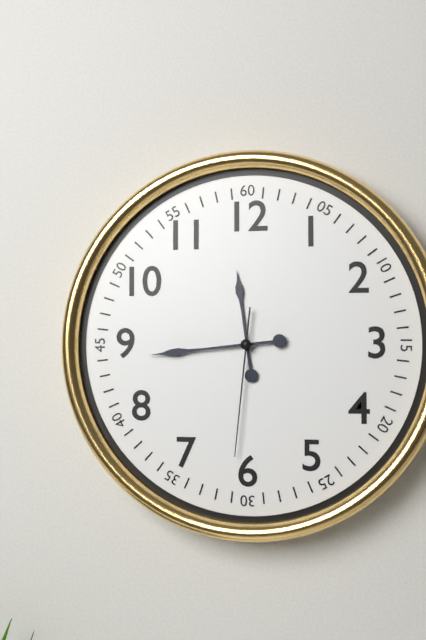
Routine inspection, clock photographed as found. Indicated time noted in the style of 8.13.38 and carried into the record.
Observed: 11.44.31
